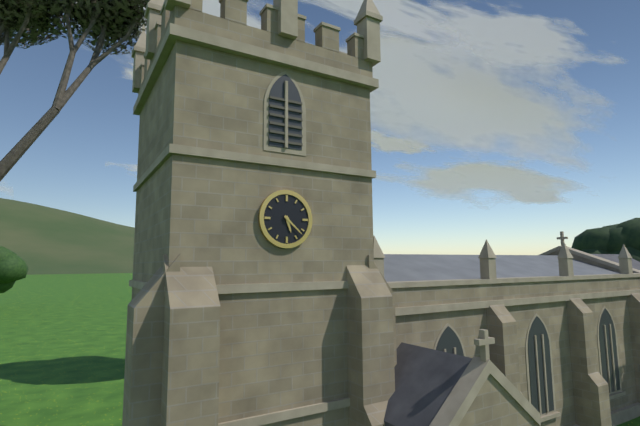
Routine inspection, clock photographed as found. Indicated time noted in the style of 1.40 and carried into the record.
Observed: 5.22
